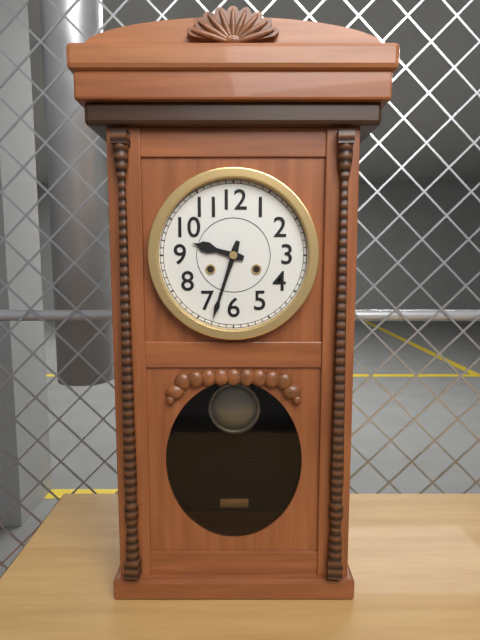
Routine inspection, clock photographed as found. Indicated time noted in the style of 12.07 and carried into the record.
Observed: 9.33
